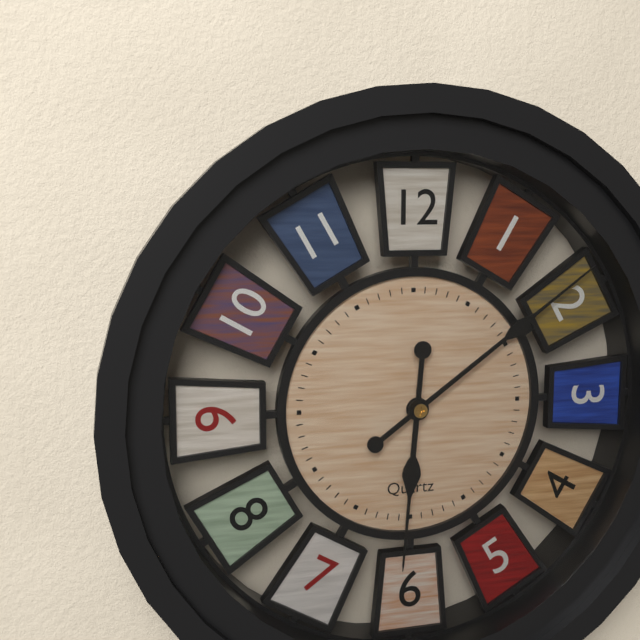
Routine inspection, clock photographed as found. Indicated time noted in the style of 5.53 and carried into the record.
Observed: 6.09
